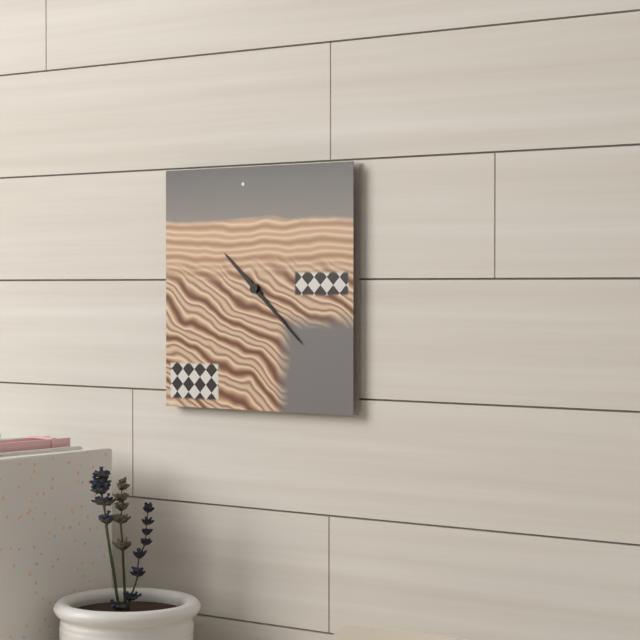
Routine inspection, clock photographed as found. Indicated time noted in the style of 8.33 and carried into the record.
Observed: 10.22
